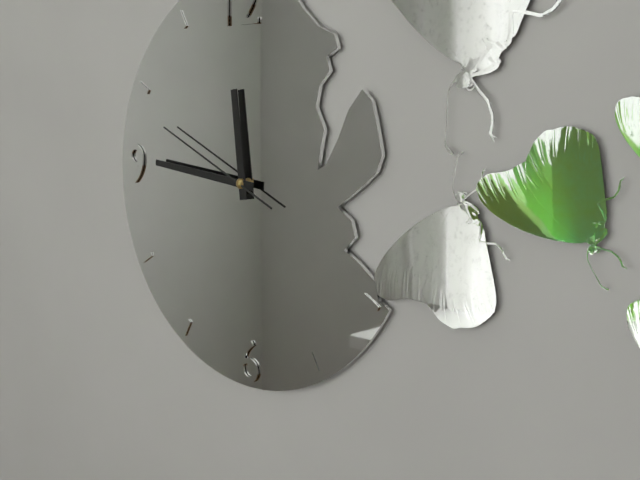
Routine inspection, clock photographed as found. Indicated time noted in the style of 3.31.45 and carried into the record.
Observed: 11.46.49
